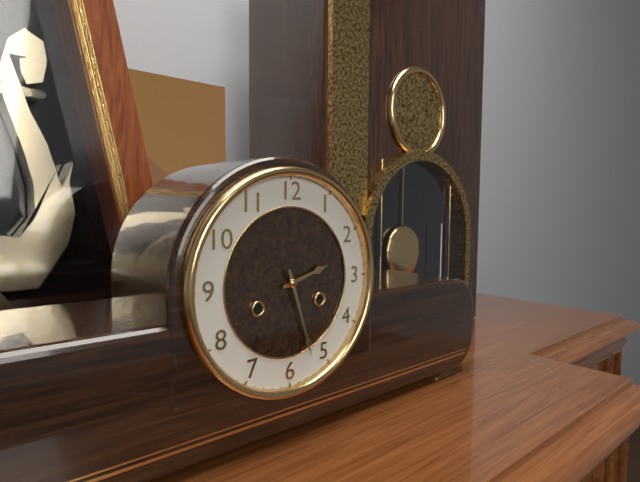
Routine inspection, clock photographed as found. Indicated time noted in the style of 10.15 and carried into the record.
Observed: 2.27
